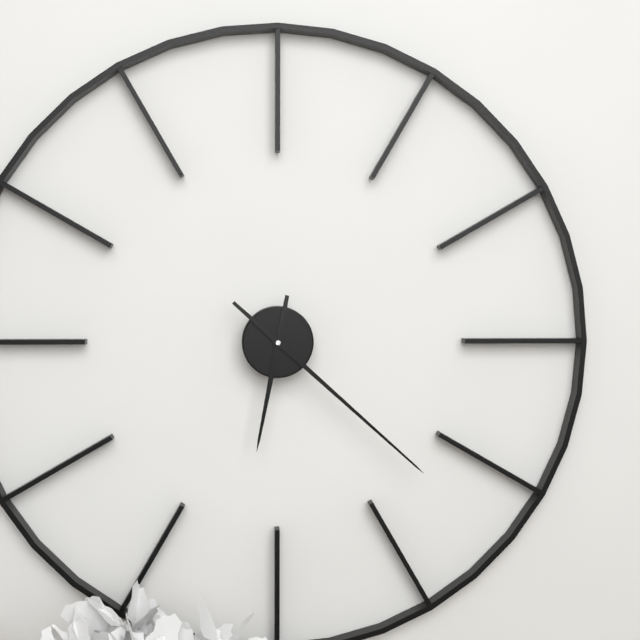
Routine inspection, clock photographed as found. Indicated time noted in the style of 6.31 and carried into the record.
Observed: 6.22
